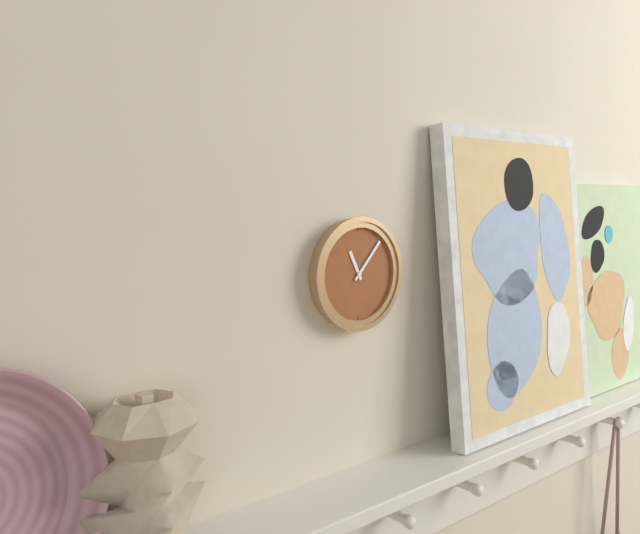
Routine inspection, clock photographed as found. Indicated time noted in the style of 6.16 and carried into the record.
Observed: 11.07
